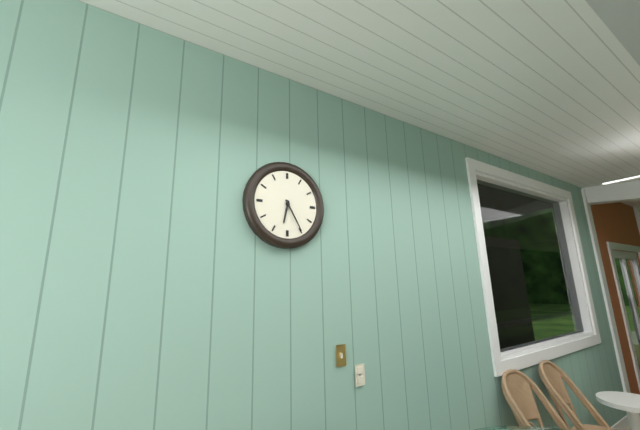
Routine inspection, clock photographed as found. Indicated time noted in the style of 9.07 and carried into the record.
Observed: 6.25
